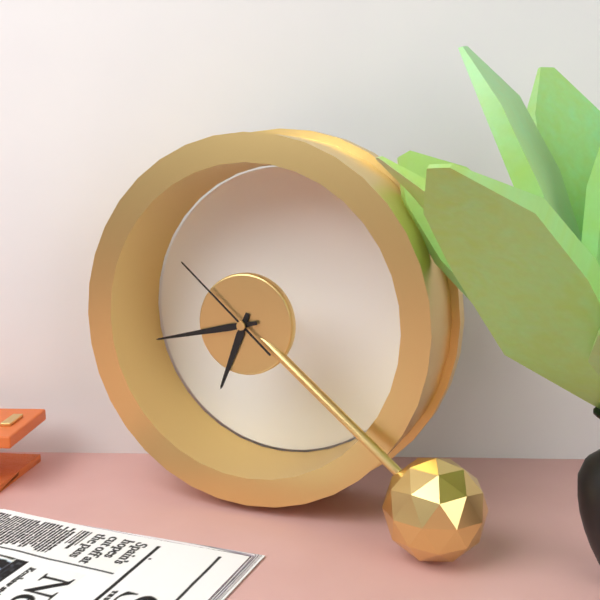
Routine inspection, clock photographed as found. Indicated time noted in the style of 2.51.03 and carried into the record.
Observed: 6.43.52
